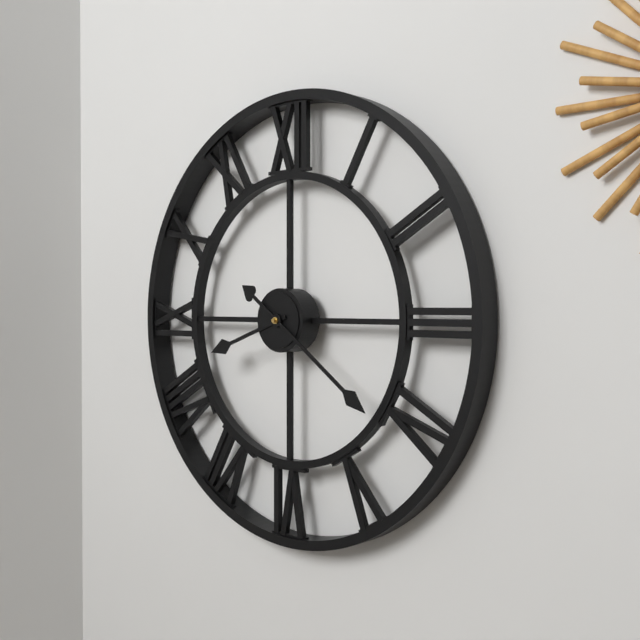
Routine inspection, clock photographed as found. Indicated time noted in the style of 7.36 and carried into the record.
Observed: 8.21
